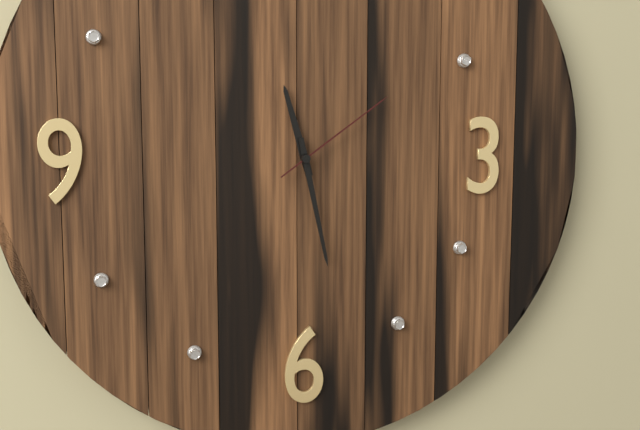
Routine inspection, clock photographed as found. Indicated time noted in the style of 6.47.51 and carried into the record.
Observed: 11.28.09
